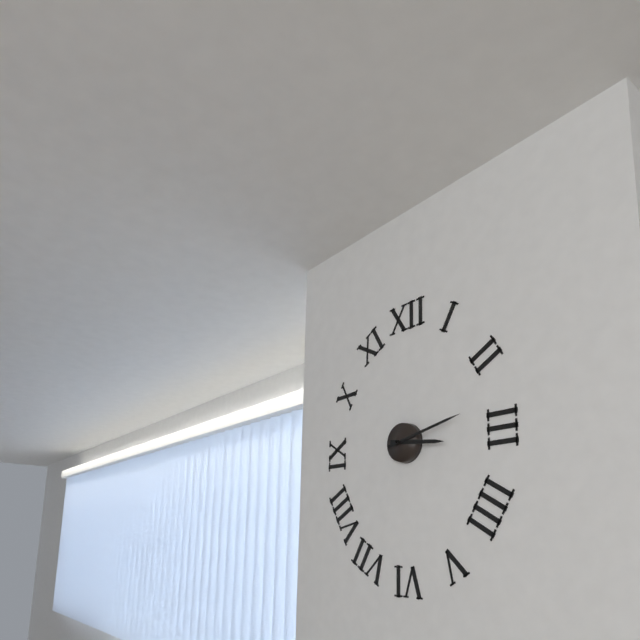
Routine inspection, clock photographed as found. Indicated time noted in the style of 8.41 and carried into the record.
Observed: 3.13
